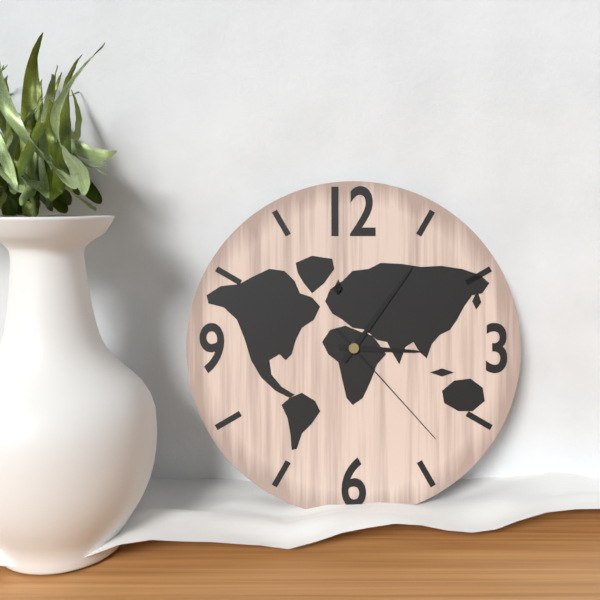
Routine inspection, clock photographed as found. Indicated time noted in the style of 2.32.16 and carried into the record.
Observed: 3.06.23
